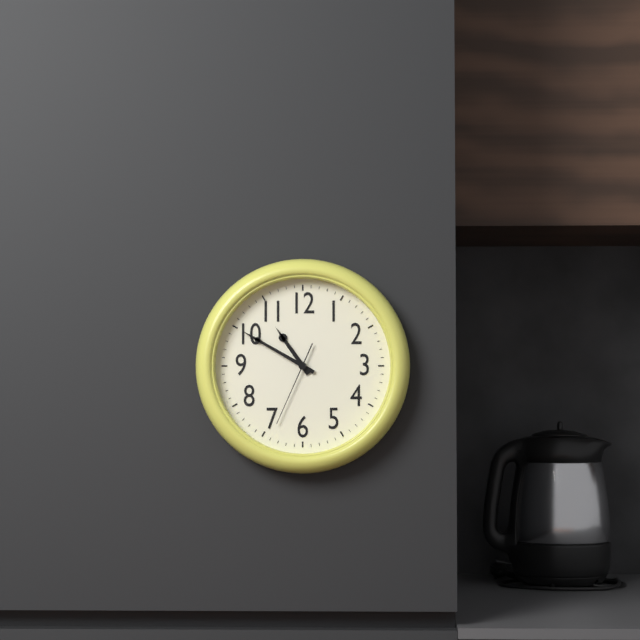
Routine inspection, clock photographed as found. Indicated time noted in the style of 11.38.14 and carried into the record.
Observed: 10.50.34
